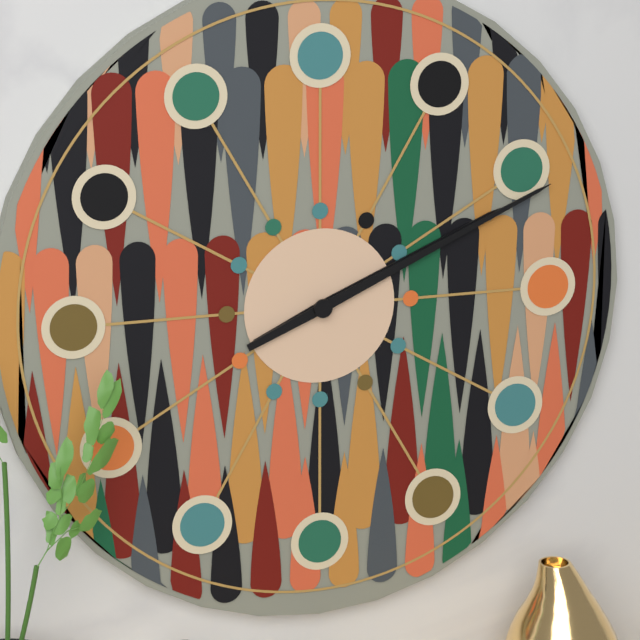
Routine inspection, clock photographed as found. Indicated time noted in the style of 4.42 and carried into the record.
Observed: 2.11
